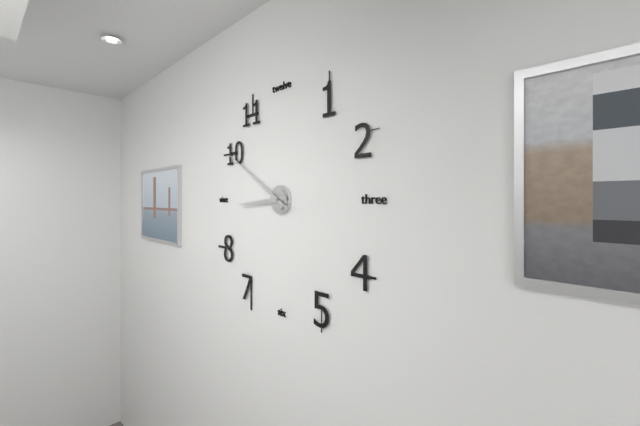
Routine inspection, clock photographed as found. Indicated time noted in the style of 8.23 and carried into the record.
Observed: 8.50
